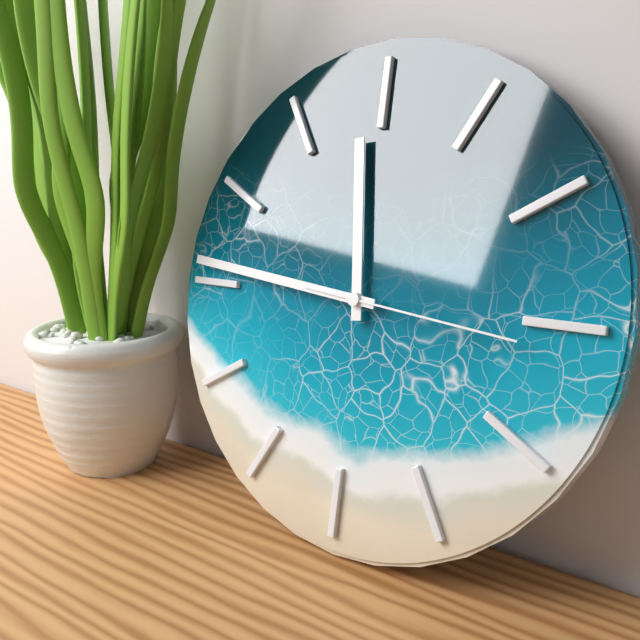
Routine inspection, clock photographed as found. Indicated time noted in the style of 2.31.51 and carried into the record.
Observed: 11.46.16
